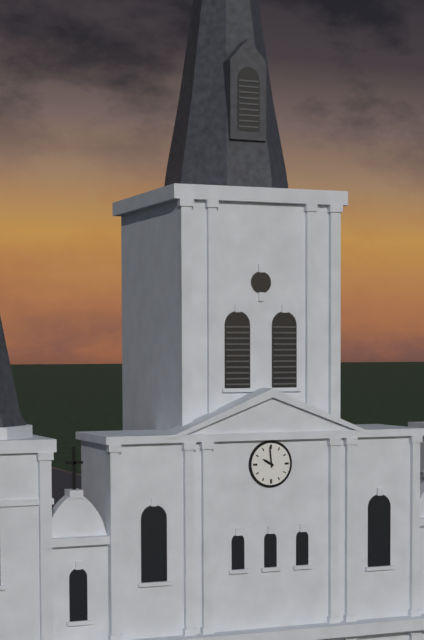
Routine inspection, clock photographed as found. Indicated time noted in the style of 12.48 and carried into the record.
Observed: 9.59
